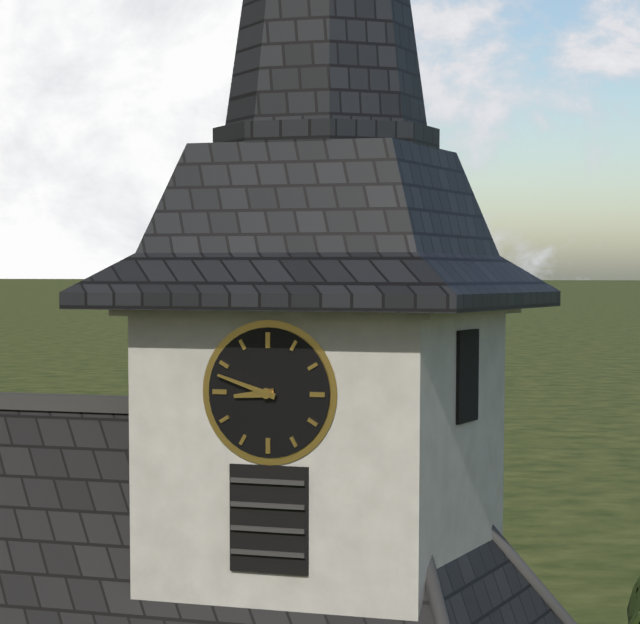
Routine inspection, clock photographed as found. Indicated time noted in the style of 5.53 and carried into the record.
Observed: 8.48
